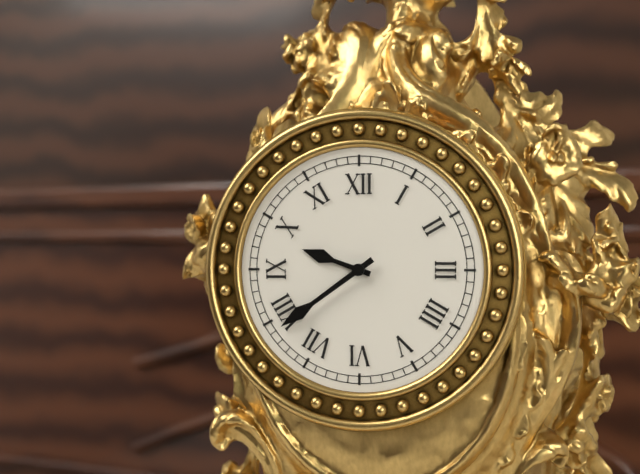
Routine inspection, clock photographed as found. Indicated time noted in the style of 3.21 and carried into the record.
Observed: 9.39
